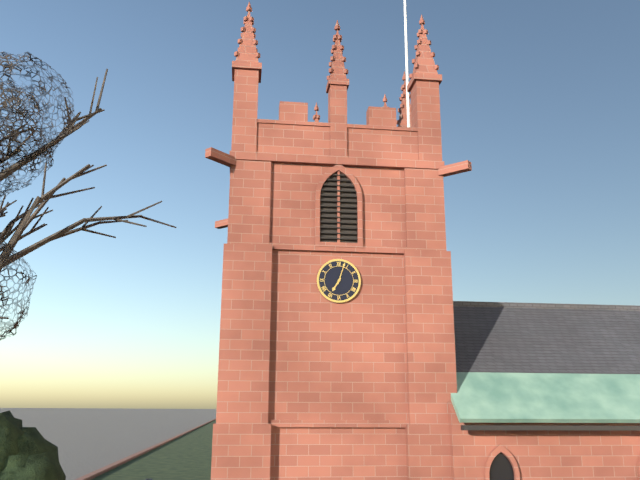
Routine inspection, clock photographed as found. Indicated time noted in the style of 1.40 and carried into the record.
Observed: 7.03
